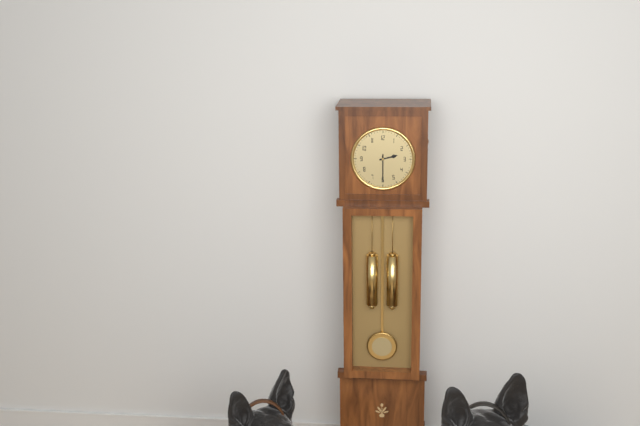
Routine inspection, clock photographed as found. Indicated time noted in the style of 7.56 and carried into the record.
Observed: 2.30
